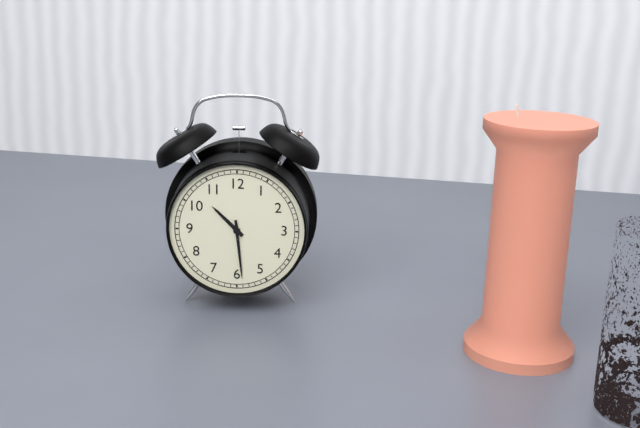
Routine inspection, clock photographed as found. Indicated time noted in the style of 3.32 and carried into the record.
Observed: 10.29
